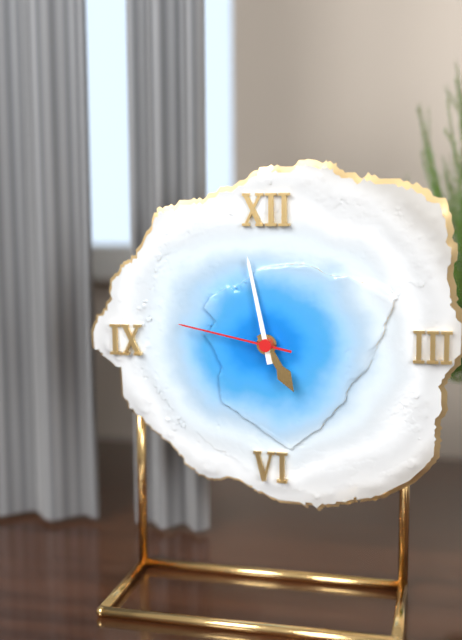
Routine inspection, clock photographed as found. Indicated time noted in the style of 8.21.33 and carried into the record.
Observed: 4.58.47
